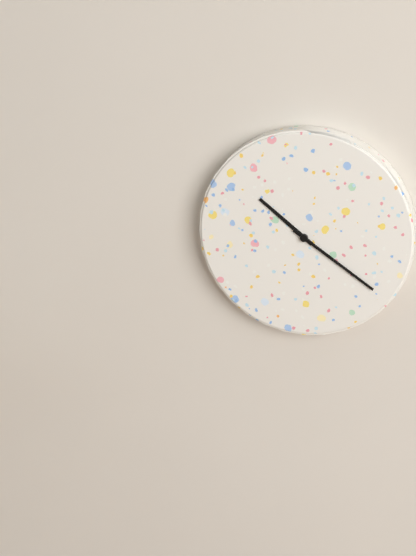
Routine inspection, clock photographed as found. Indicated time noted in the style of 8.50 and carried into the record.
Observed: 10.21
